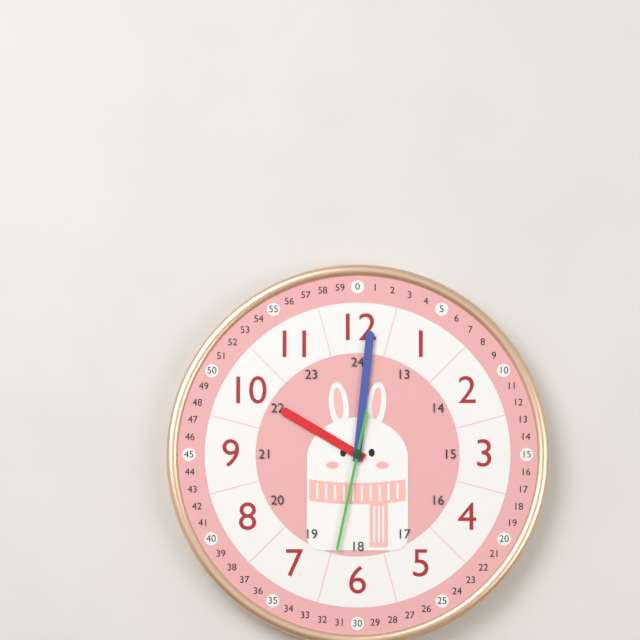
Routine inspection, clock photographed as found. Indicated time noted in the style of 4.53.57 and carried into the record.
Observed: 10.01.32
